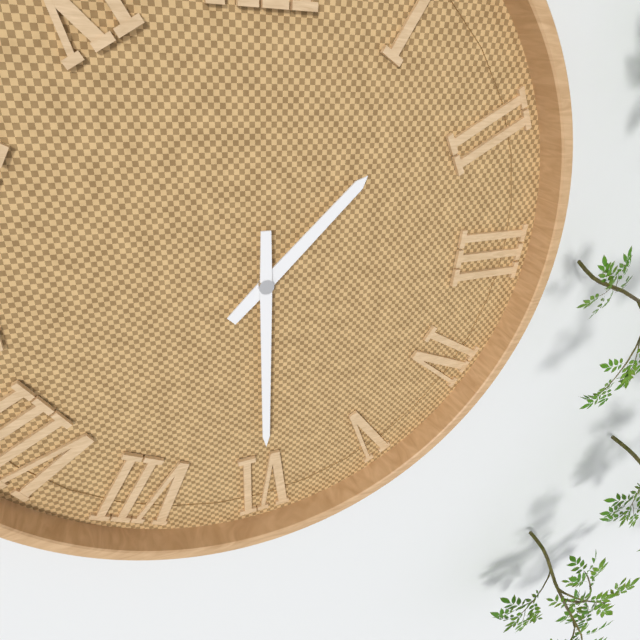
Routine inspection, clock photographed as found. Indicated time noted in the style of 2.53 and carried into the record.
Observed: 1.30
